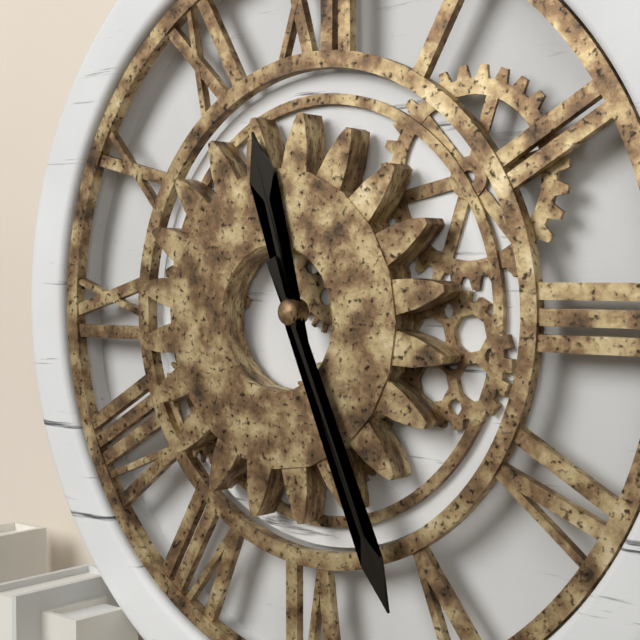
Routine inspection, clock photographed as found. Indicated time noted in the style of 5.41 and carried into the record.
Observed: 11.26
